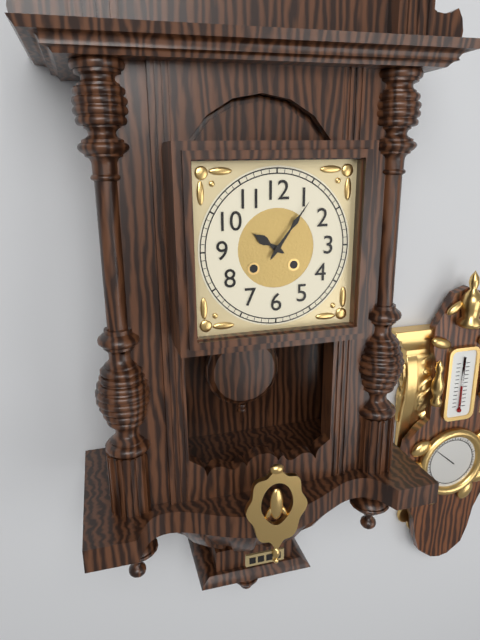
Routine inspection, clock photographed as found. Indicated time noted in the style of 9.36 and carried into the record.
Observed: 10.06
